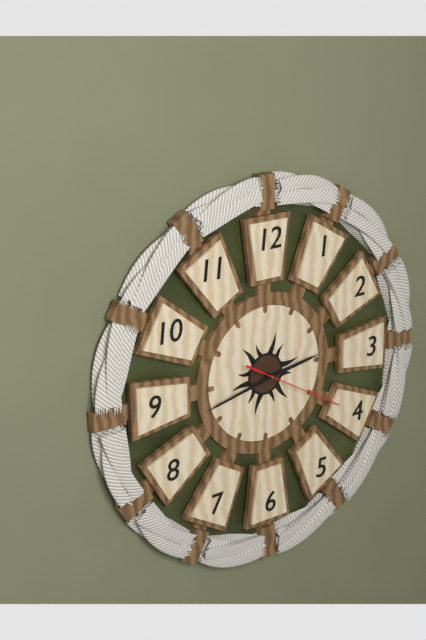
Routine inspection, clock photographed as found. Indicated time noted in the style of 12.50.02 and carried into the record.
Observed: 2.43.20
